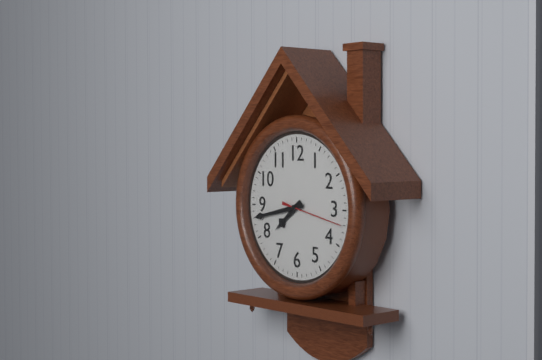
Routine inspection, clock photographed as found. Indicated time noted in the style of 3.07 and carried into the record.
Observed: 7.43
